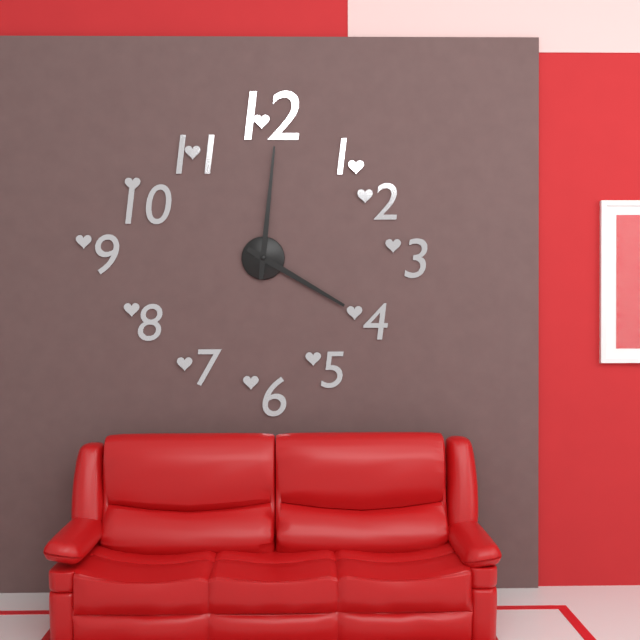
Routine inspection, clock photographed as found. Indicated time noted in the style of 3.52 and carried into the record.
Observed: 4.01
